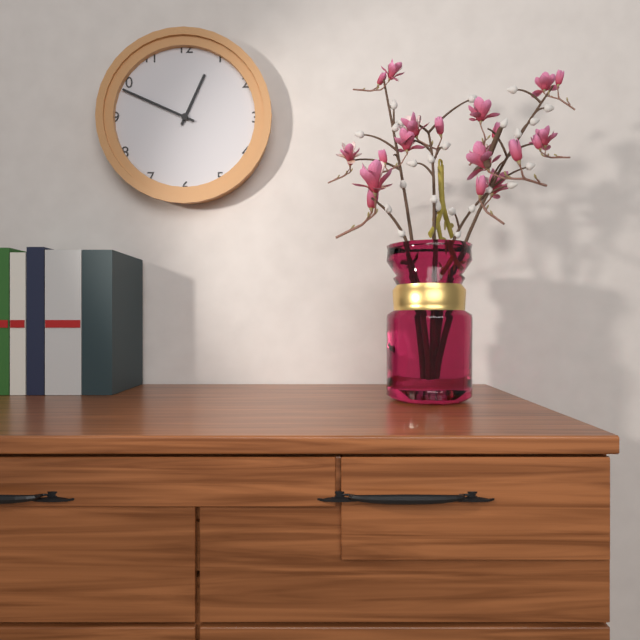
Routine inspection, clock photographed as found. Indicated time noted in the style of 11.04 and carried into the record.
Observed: 12.49
